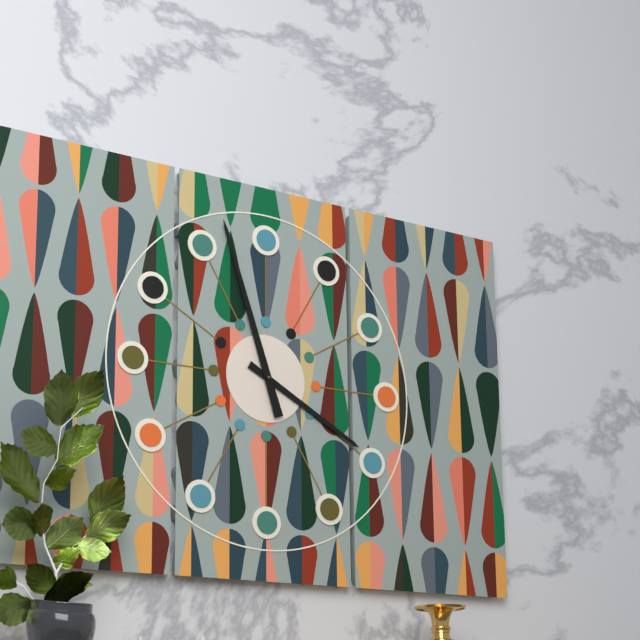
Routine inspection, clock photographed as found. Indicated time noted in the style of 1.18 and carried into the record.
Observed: 3.57
